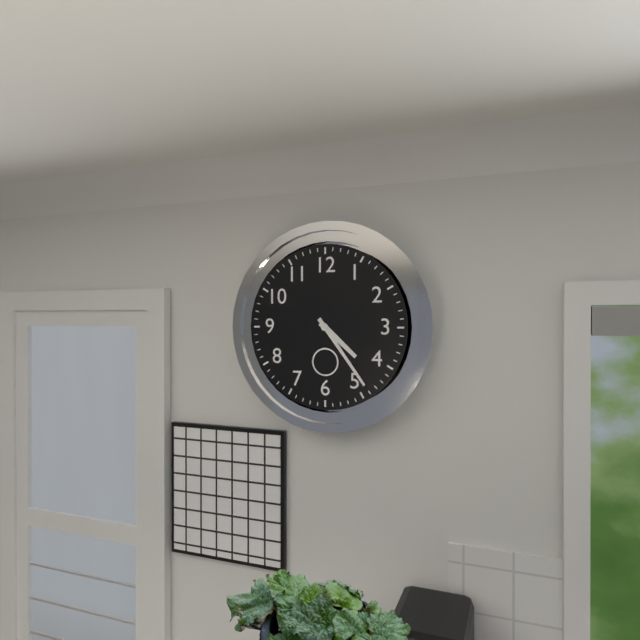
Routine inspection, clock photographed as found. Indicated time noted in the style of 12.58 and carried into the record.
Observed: 4.24
